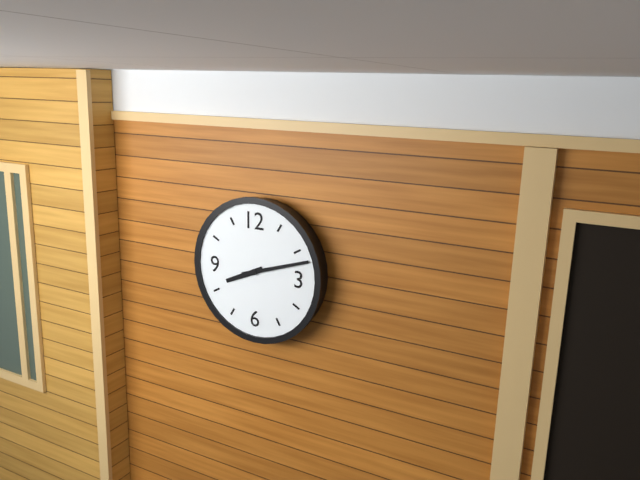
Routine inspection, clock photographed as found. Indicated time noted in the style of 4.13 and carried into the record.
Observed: 8.12
